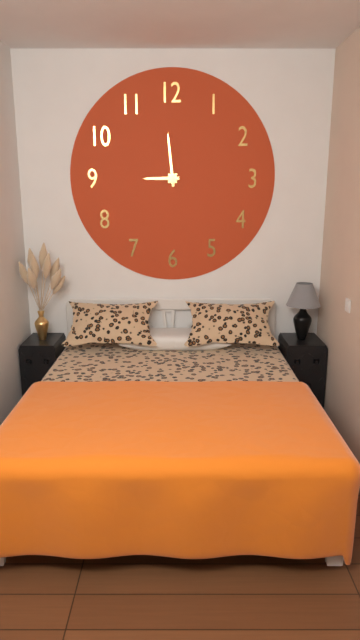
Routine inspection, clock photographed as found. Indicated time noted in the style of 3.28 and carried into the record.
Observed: 8.59
